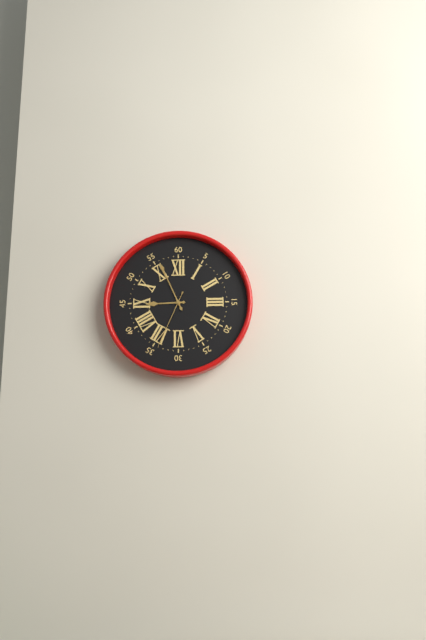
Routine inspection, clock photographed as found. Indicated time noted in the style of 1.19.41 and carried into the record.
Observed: 8.56.34
